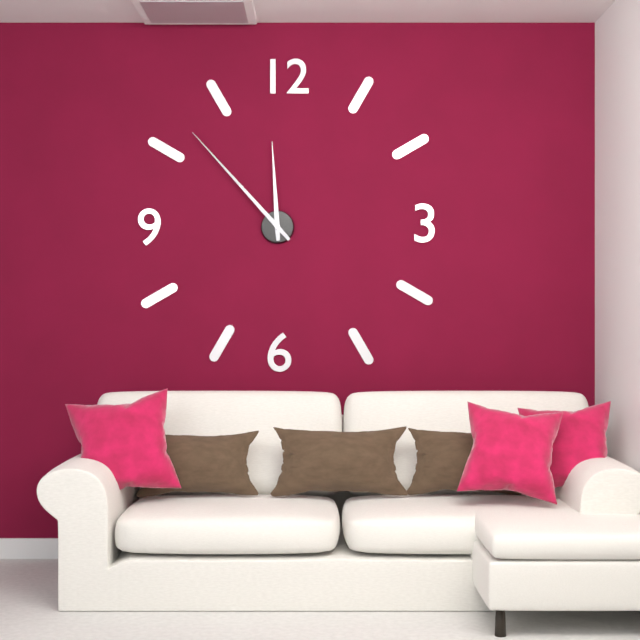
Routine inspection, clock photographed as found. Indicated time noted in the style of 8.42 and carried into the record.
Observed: 11.53
